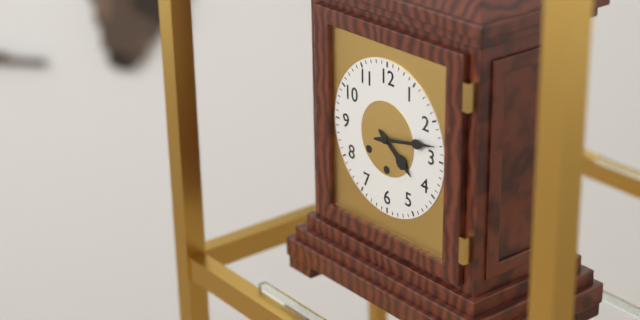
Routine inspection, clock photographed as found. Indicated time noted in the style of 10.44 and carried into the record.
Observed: 4.13
